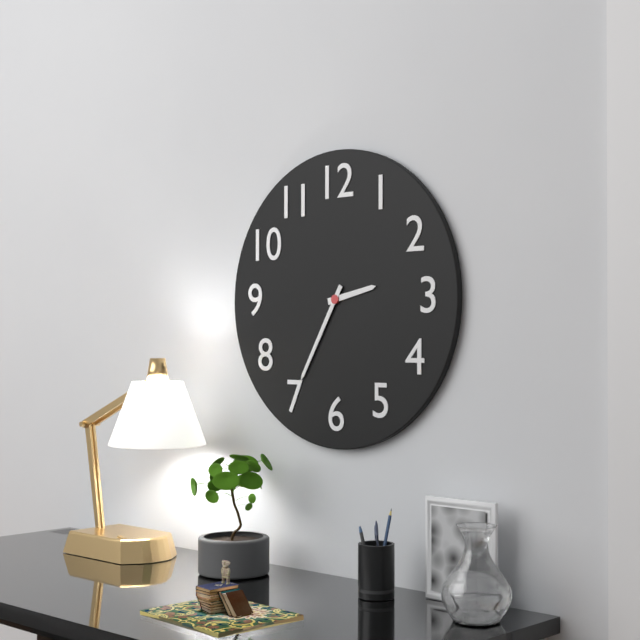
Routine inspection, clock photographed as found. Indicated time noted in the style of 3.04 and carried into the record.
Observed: 2.35
